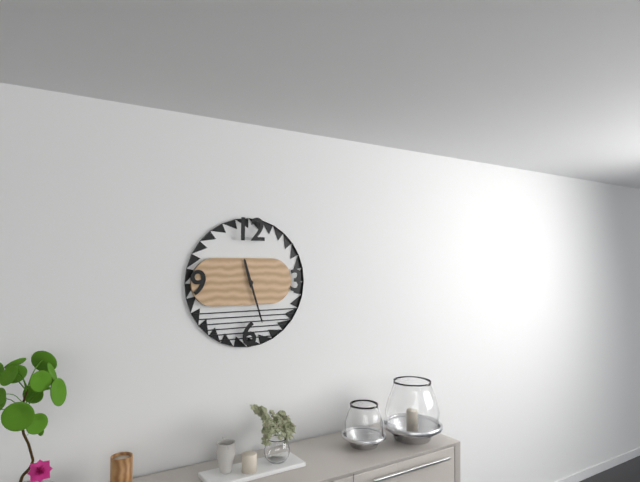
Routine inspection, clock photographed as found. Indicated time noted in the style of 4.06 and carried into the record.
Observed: 11.27
